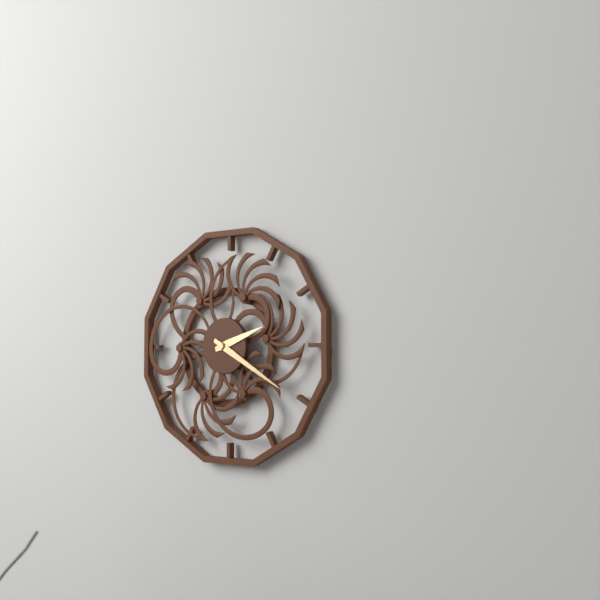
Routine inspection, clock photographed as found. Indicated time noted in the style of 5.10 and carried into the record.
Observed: 2.20
